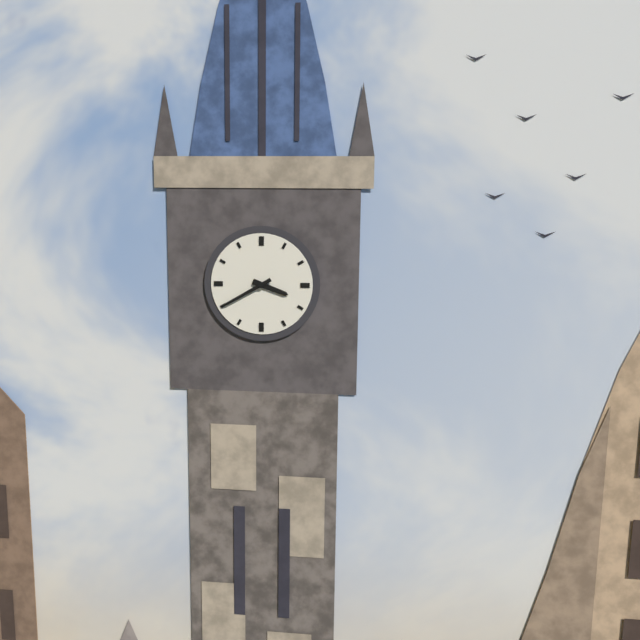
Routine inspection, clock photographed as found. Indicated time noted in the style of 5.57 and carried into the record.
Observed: 3.40
